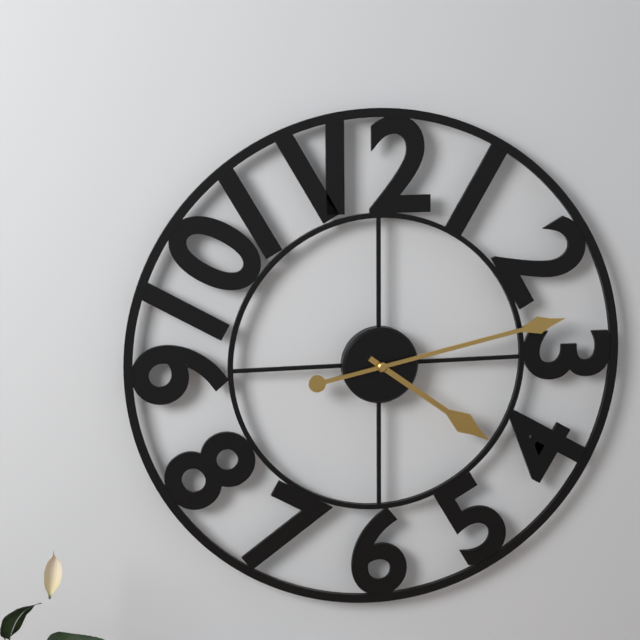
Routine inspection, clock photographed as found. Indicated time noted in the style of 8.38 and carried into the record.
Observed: 4.13
